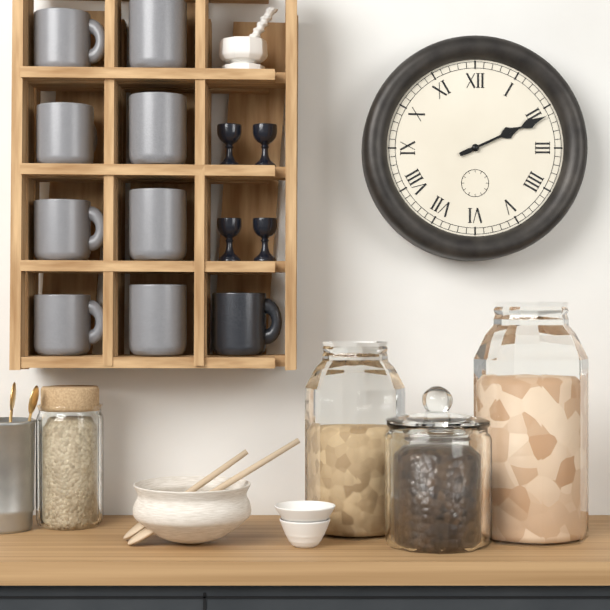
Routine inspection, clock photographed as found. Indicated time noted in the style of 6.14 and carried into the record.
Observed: 2.11
